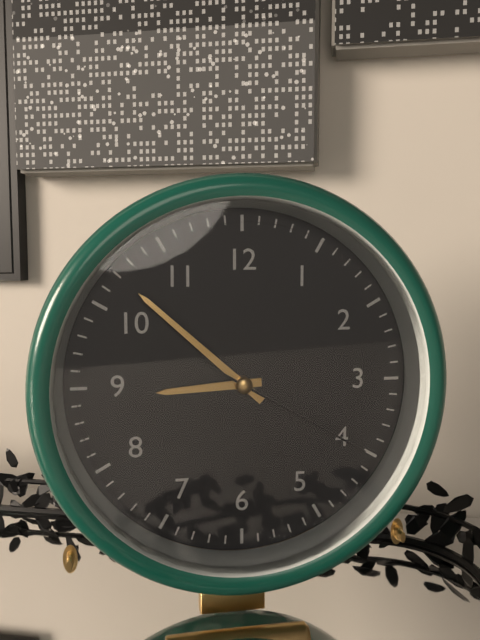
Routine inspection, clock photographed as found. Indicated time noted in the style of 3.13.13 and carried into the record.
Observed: 8.52.20
